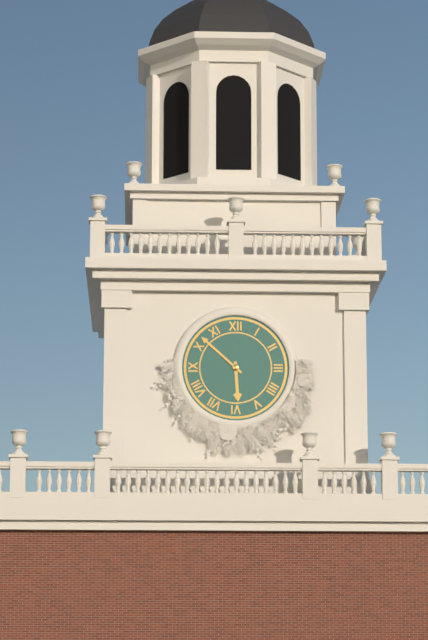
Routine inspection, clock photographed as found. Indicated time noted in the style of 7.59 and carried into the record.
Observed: 5.52
